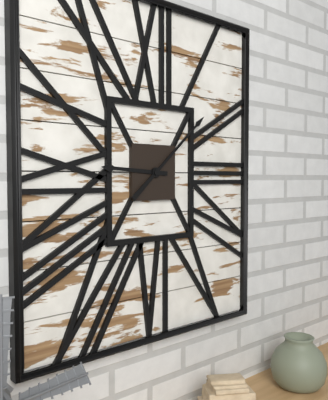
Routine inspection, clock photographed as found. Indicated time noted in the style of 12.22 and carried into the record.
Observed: 9.08
